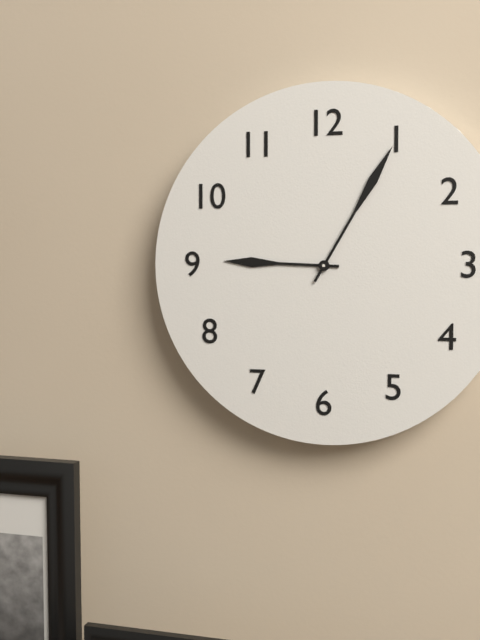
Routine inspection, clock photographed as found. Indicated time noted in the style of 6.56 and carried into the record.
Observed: 9.05
